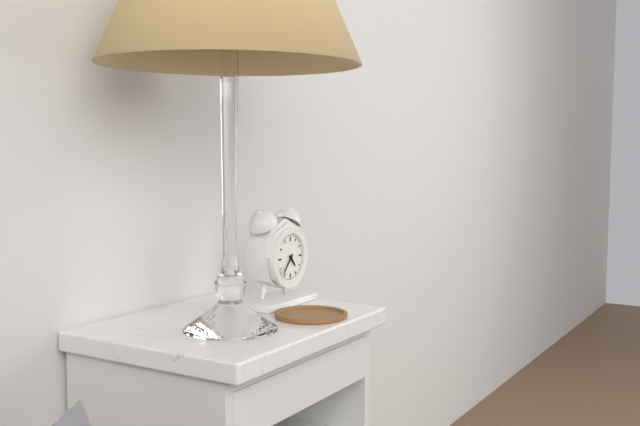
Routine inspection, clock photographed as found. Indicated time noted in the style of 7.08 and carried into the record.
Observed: 4.37
